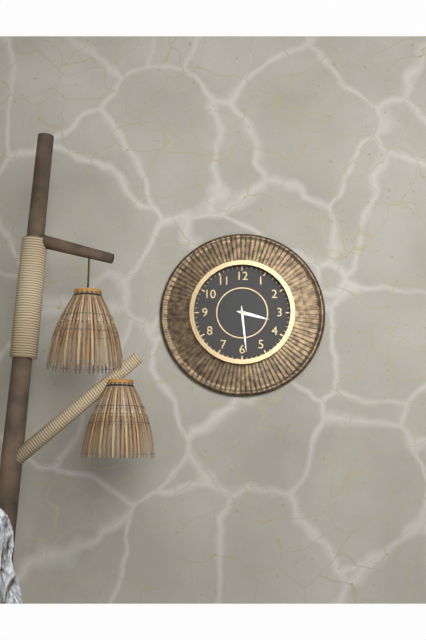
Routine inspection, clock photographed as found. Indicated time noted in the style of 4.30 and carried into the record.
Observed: 3.29
